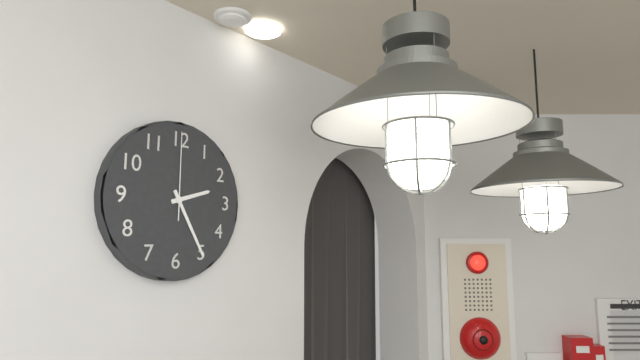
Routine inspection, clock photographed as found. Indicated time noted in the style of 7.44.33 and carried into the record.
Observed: 2.25.00
